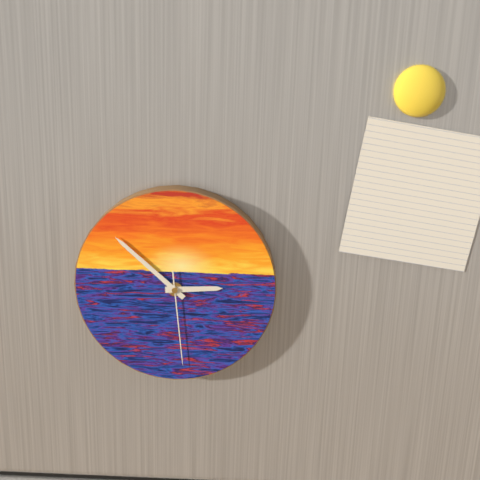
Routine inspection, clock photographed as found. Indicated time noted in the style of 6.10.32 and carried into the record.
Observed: 2.52.29
